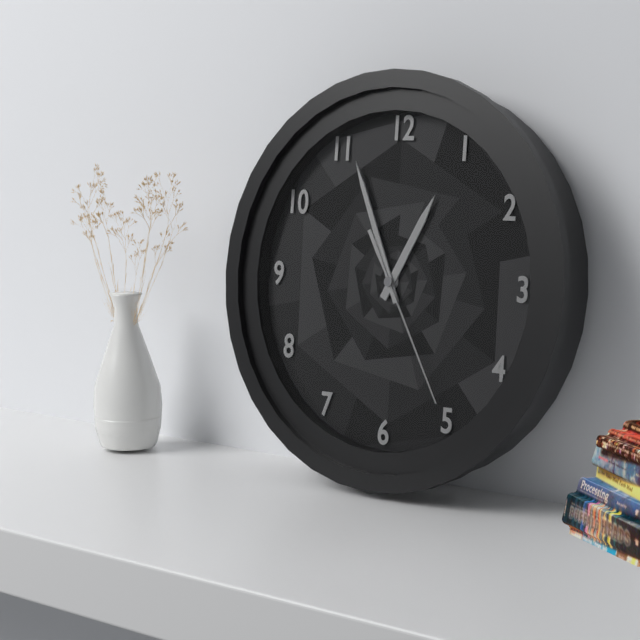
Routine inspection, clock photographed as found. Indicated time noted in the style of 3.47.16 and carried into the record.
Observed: 12.56.25
